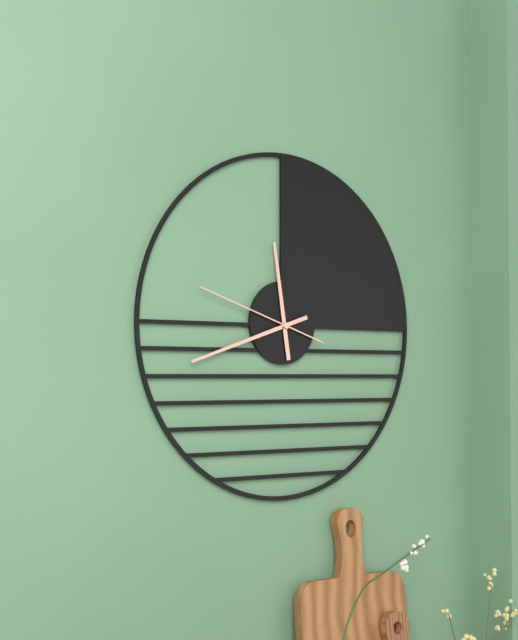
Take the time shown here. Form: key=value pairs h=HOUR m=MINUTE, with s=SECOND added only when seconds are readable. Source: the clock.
h=11 m=42 s=48
